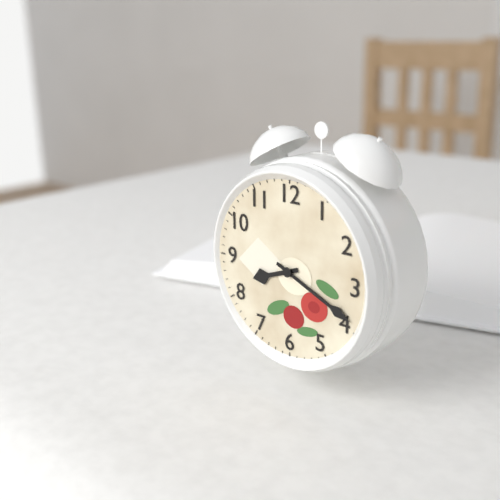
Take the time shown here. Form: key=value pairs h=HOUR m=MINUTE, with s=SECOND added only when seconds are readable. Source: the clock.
h=8 m=19
